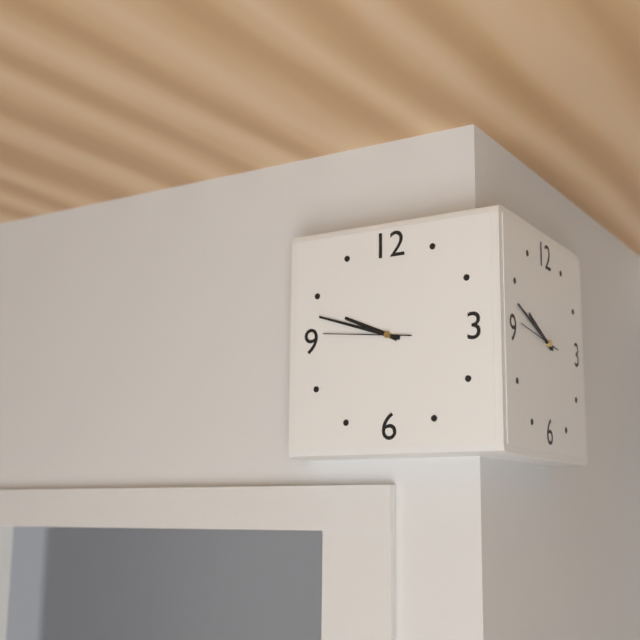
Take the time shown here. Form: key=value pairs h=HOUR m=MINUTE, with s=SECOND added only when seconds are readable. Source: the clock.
h=9 m=48 s=46
